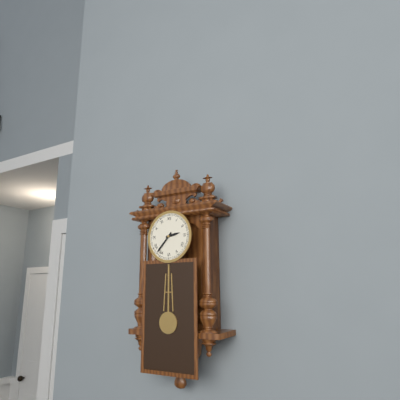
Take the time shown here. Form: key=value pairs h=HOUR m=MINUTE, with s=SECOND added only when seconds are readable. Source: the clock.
h=2 m=37
